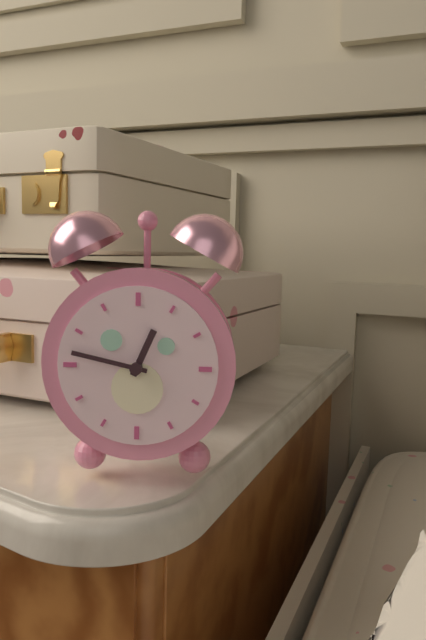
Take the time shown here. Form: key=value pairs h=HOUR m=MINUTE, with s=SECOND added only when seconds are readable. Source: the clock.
h=12 m=47
